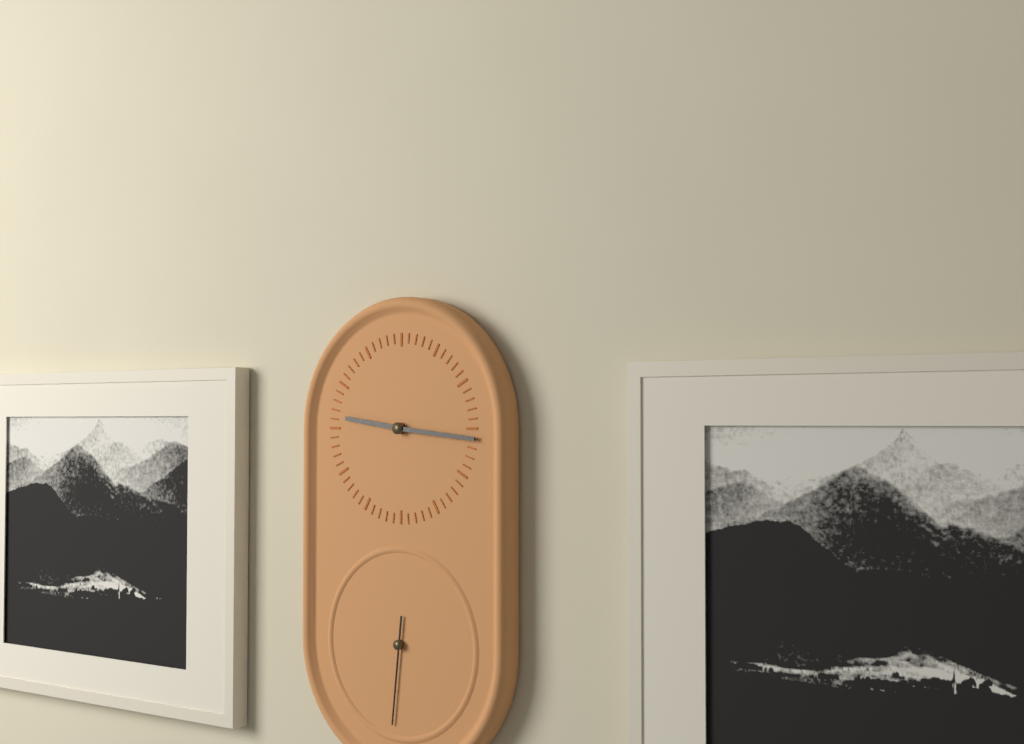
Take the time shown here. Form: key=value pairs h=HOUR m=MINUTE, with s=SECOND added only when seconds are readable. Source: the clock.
h=9 m=16 s=31
